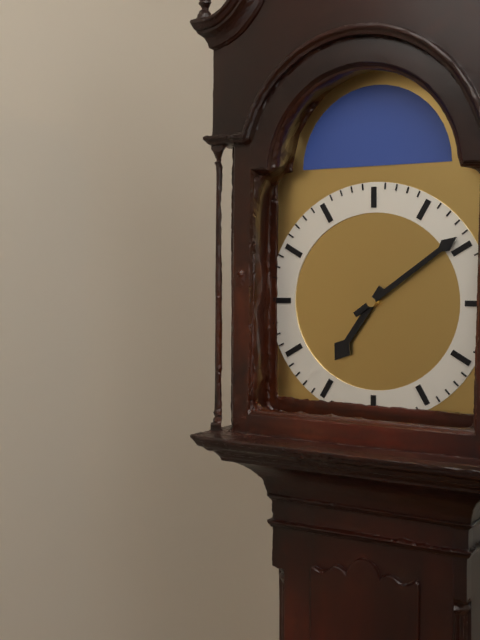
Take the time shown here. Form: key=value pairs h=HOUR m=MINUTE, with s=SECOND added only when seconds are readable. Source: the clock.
h=7 m=9
